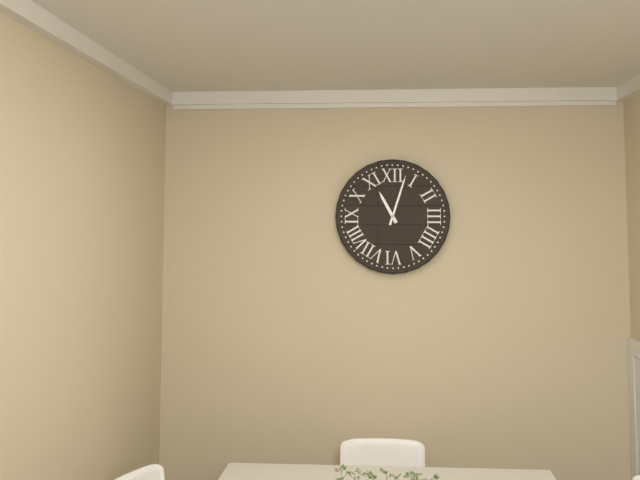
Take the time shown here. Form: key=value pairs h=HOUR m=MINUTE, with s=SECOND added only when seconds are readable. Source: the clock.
h=11 m=3
